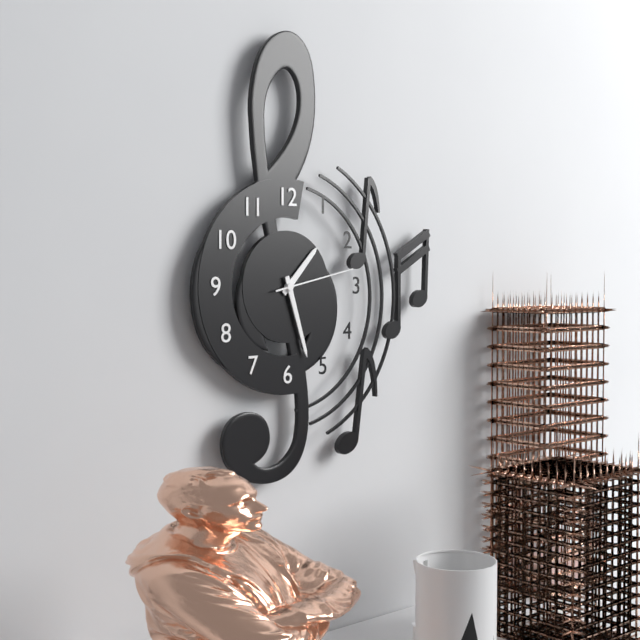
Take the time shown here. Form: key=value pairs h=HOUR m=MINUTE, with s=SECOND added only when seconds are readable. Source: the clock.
h=1 m=27 s=13
